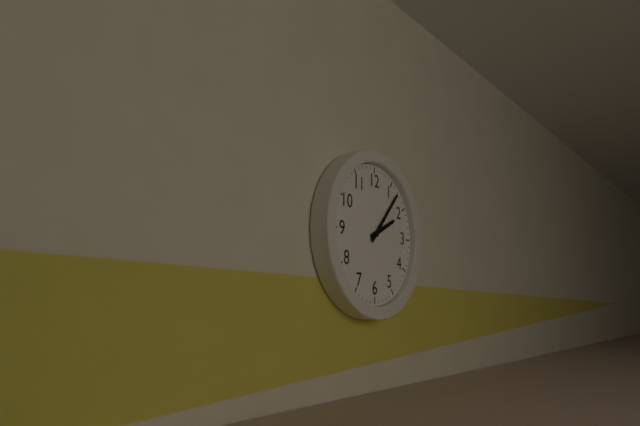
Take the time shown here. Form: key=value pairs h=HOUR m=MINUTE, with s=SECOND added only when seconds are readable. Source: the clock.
h=2 m=7
